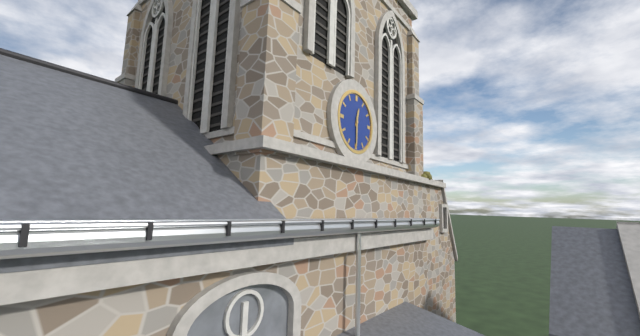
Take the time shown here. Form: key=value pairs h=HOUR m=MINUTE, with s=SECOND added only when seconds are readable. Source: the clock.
h=12 m=30
